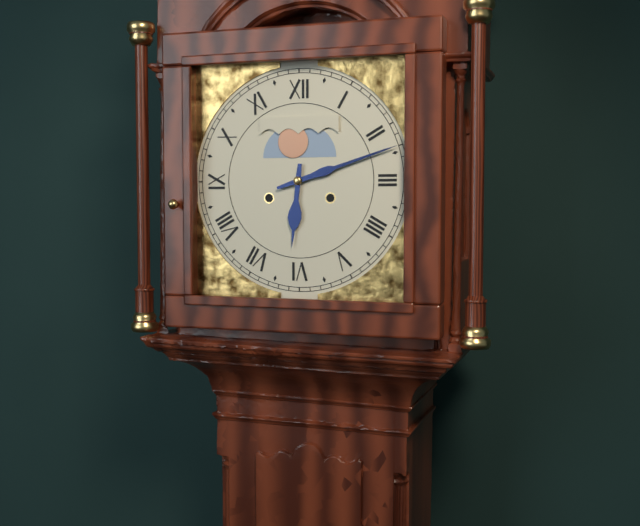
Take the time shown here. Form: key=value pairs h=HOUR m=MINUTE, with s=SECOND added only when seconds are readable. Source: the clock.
h=6 m=12
